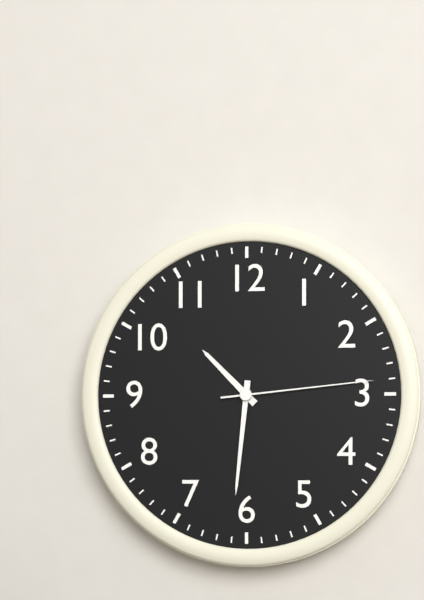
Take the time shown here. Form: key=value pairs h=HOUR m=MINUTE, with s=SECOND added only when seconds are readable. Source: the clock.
h=10 m=31 s=14
